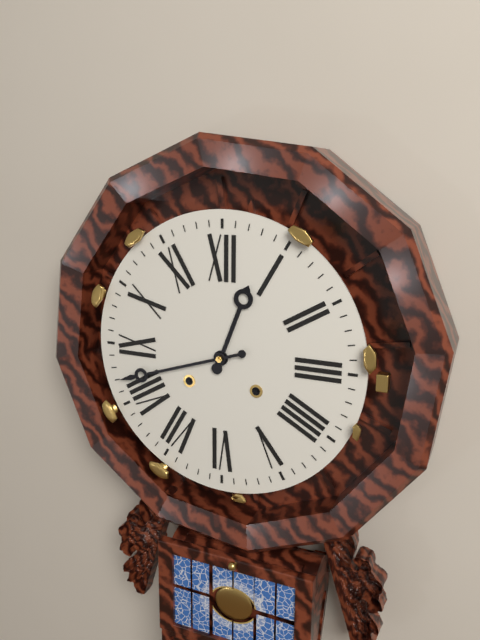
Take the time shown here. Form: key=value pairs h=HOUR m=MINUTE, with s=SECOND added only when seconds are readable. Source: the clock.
h=12 m=42
